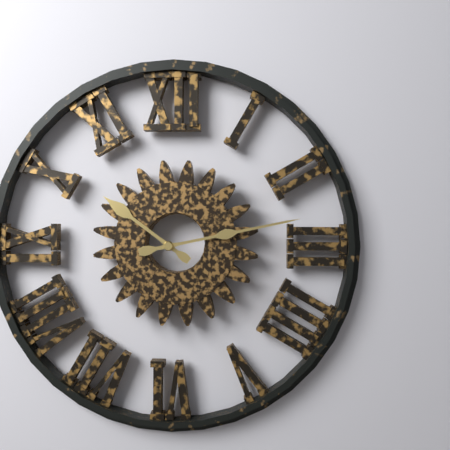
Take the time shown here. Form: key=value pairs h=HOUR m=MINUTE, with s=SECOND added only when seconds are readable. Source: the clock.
h=10 m=13
